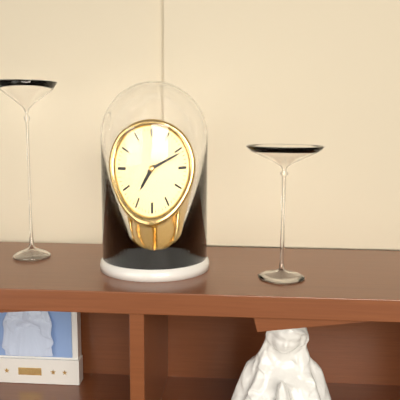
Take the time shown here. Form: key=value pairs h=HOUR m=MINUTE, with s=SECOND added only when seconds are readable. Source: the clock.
h=7 m=11
